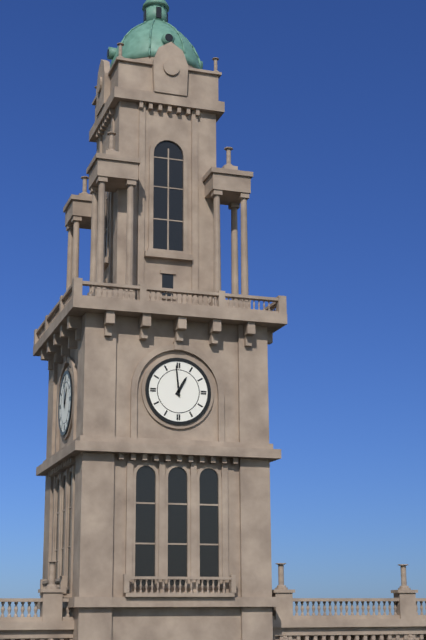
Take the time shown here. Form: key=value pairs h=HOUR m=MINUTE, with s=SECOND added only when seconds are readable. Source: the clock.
h=12 m=59
